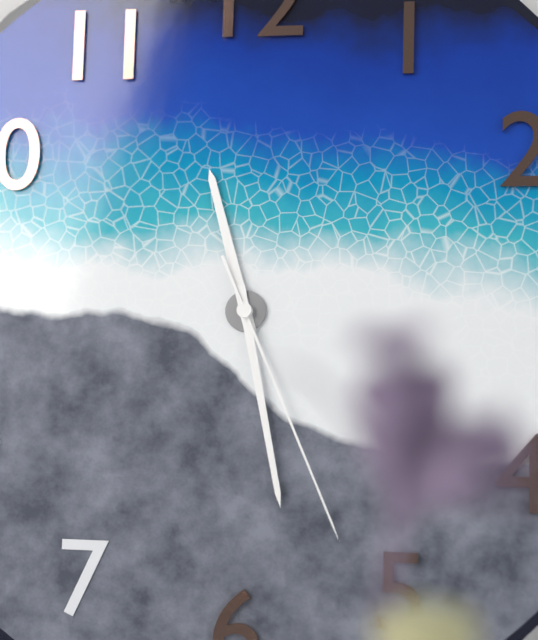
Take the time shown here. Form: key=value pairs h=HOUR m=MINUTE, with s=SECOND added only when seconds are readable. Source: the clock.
h=11 m=28 s=26
